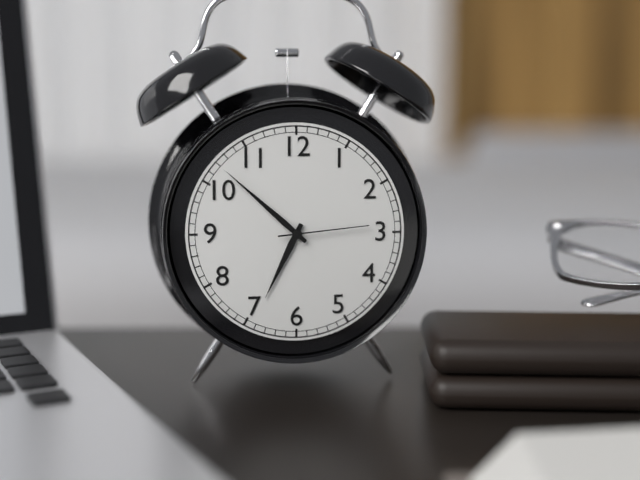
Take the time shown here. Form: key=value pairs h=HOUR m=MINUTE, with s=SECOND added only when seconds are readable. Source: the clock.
h=6 m=52 s=14
